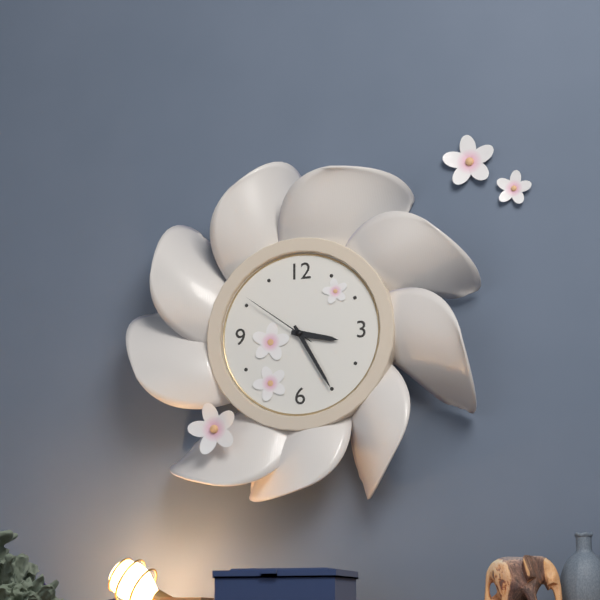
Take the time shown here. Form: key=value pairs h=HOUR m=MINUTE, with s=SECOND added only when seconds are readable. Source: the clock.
h=3 m=25 s=51
